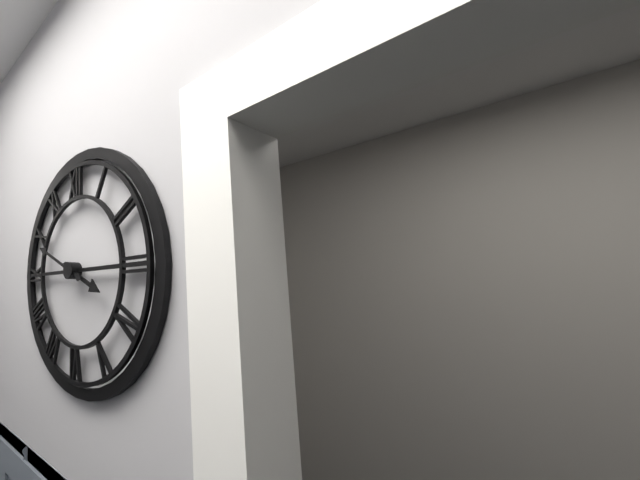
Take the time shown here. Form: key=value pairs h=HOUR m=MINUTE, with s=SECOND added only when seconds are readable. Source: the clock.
h=3 m=49
